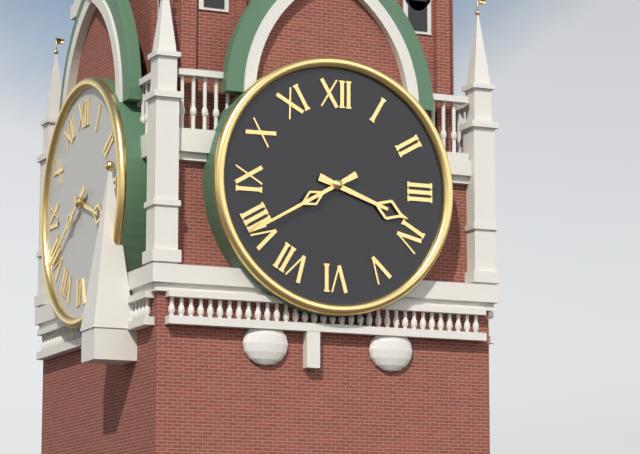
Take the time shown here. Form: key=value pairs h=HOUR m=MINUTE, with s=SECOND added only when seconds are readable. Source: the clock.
h=3 m=40
